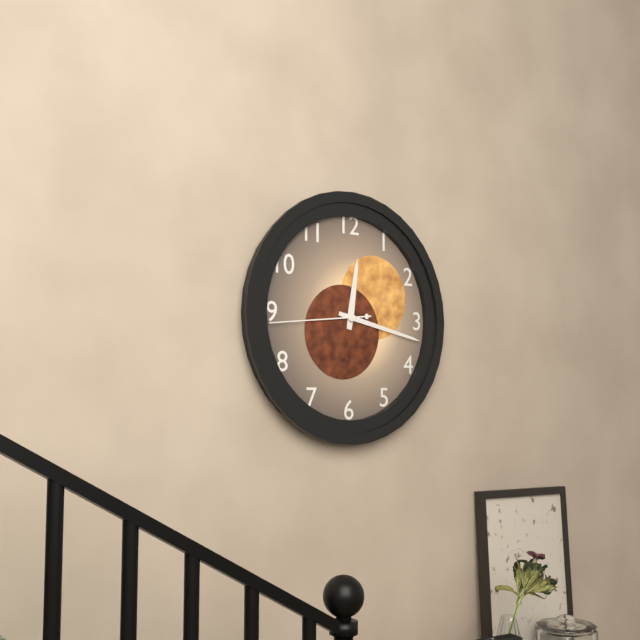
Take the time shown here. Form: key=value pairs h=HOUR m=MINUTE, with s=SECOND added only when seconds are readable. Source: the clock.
h=12 m=17 s=44
